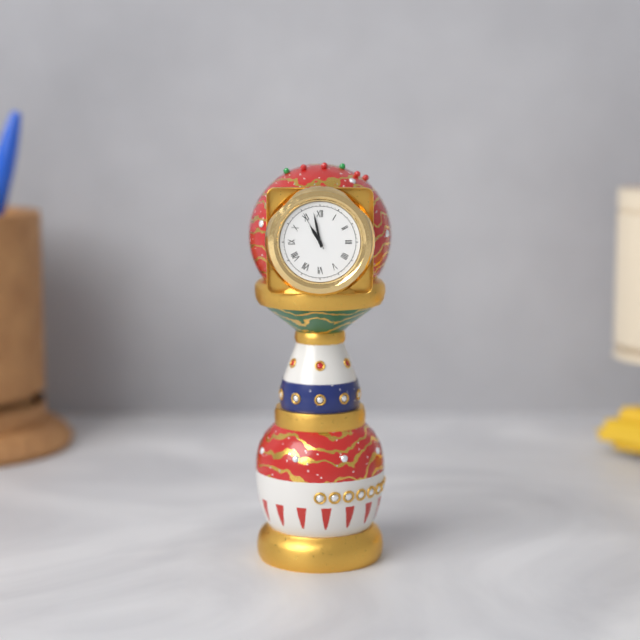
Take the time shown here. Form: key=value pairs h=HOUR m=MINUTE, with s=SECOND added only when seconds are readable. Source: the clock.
h=10 m=58
